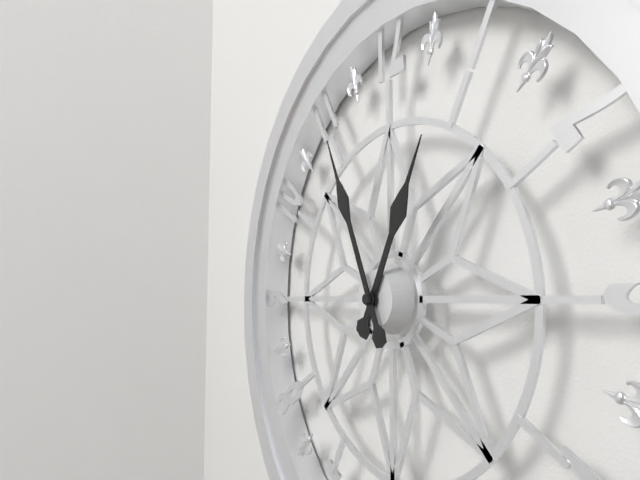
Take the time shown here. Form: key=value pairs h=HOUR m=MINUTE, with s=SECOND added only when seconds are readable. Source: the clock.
h=12 m=56
